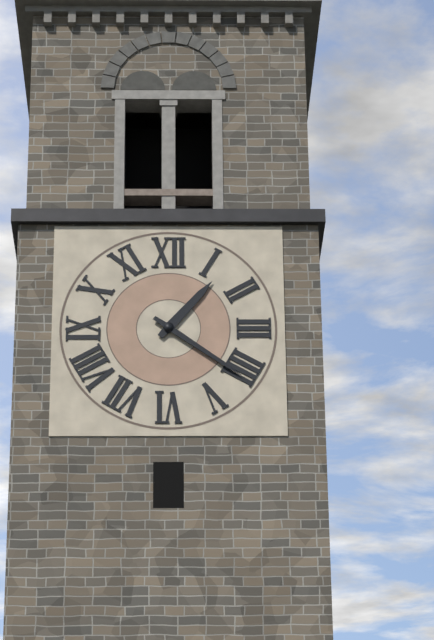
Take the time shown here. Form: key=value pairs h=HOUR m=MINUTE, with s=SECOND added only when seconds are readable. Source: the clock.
h=1 m=21
